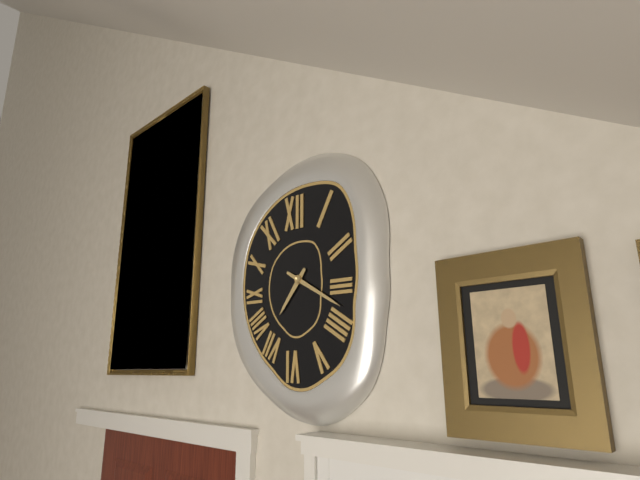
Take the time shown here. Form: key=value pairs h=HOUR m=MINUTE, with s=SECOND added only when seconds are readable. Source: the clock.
h=7 m=20
